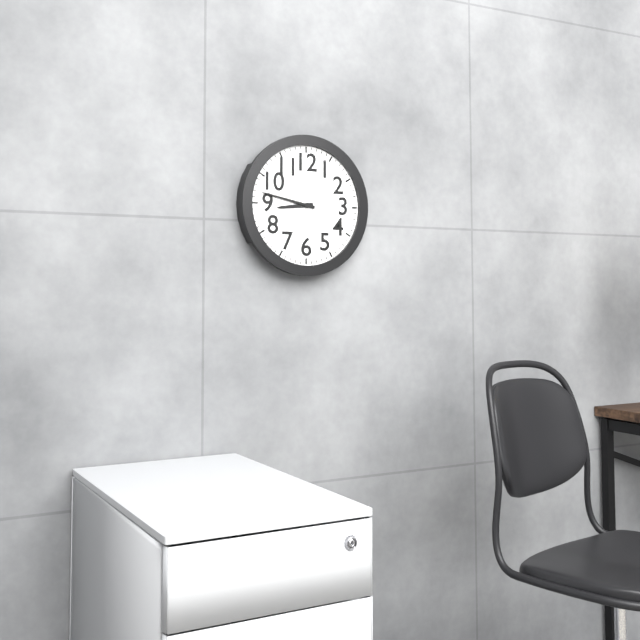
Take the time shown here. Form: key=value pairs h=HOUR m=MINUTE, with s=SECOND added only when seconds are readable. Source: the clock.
h=8 m=47
